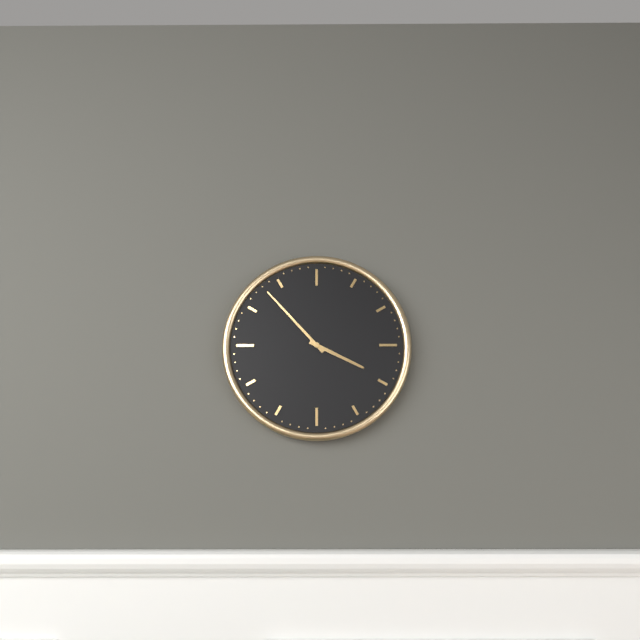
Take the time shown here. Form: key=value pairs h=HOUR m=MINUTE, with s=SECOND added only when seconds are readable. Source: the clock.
h=3 m=53
